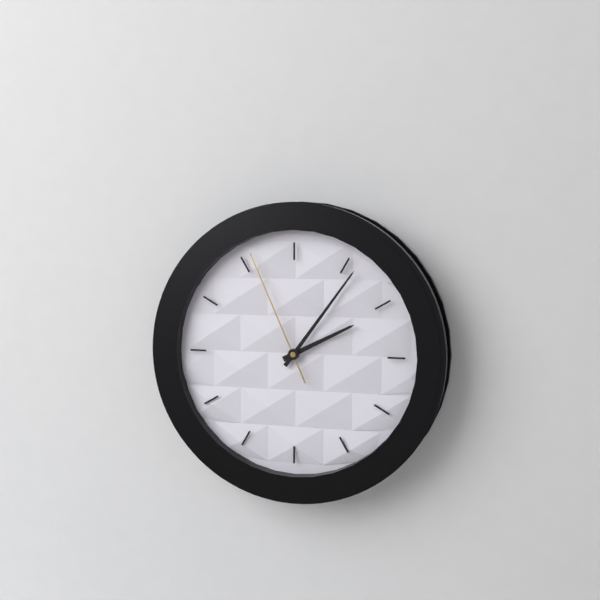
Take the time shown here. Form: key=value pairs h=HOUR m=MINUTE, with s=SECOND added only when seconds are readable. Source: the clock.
h=2 m=6 s=56
